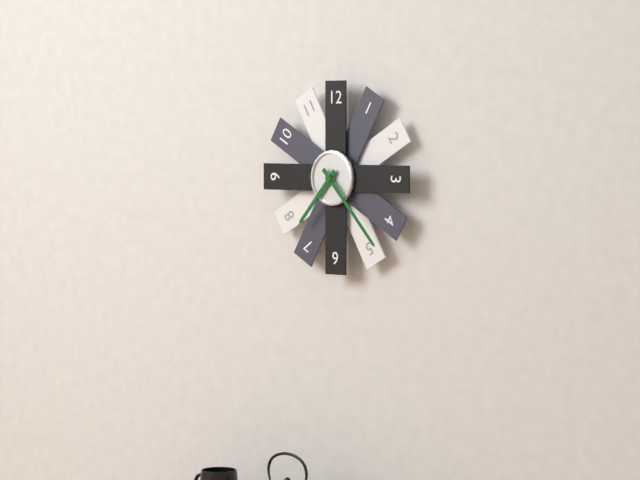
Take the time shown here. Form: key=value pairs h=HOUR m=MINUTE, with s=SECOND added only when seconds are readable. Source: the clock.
h=7 m=23
